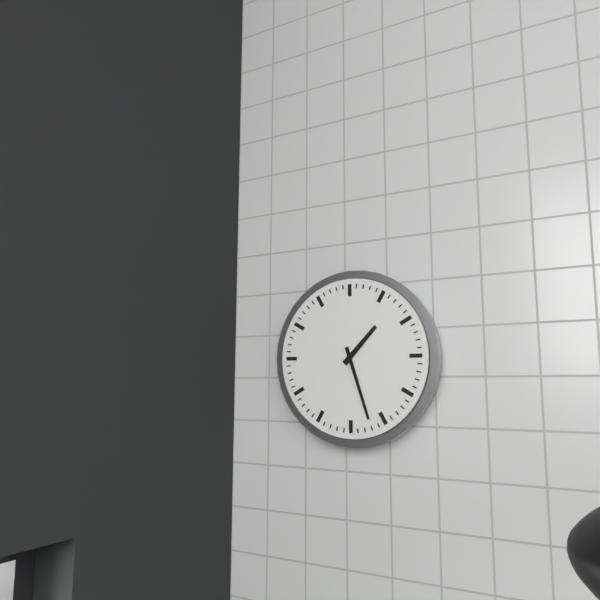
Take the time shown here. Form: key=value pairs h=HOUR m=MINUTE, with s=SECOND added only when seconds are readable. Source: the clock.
h=1 m=27
